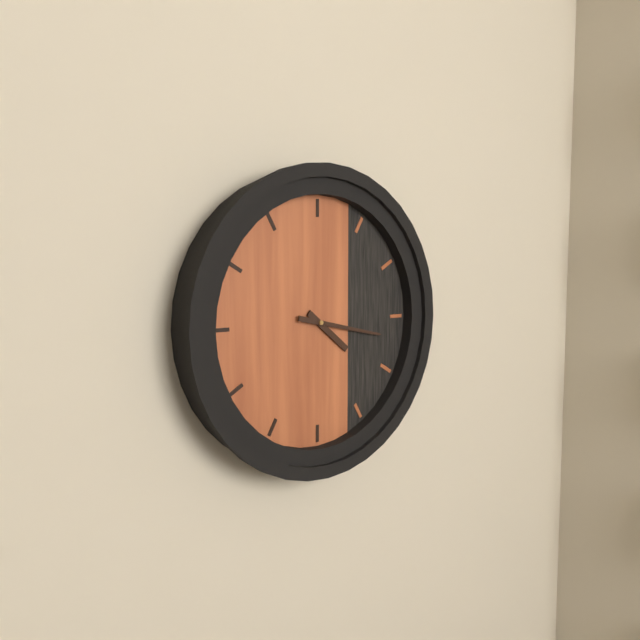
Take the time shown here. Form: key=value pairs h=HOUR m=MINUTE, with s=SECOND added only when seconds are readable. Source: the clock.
h=4 m=17
